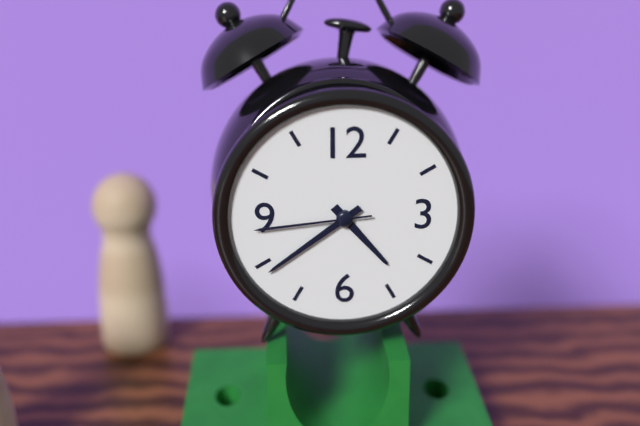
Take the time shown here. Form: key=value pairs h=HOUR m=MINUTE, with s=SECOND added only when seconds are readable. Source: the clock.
h=4 m=39 s=44
